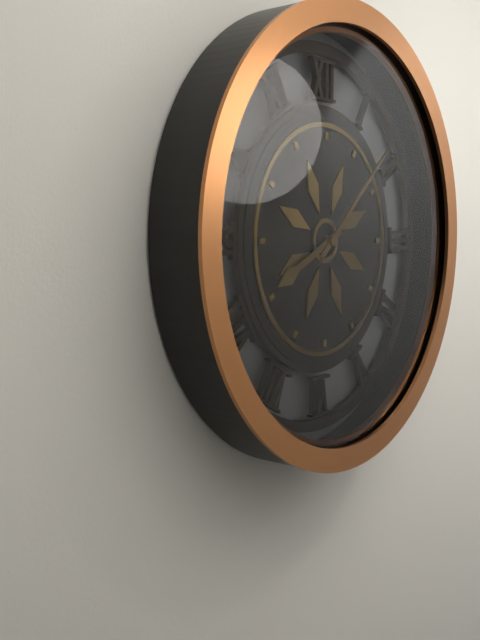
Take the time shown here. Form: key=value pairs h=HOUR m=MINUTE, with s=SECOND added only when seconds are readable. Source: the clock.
h=8 m=8
